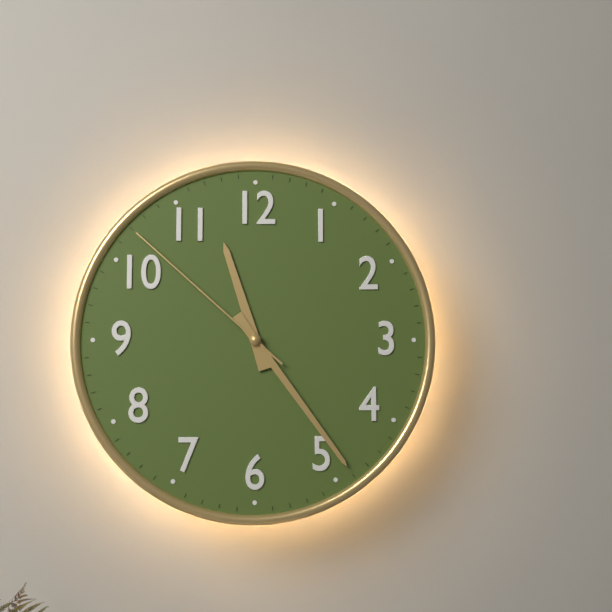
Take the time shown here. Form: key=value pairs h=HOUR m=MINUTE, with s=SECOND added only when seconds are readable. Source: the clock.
h=11 m=24 s=52
